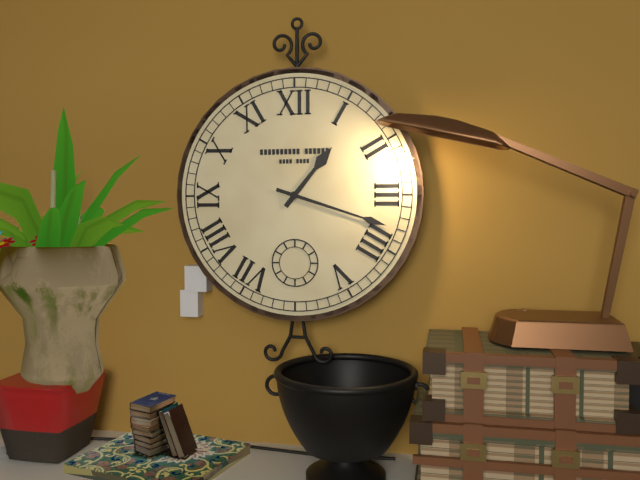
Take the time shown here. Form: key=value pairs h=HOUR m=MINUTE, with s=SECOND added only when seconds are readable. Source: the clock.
h=1 m=18
